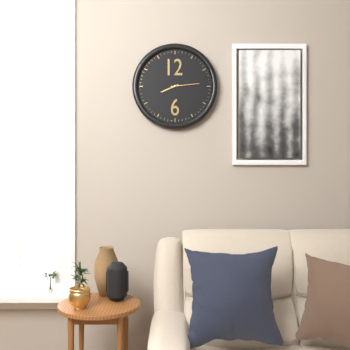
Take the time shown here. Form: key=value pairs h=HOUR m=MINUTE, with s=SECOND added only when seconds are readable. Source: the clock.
h=8 m=14
